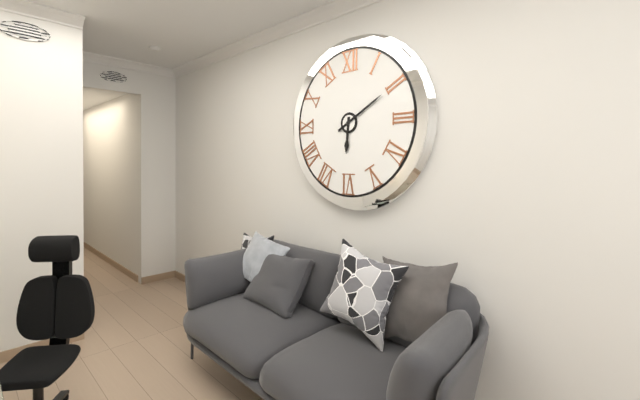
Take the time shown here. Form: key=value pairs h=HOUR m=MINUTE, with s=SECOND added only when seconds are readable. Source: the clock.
h=6 m=10
